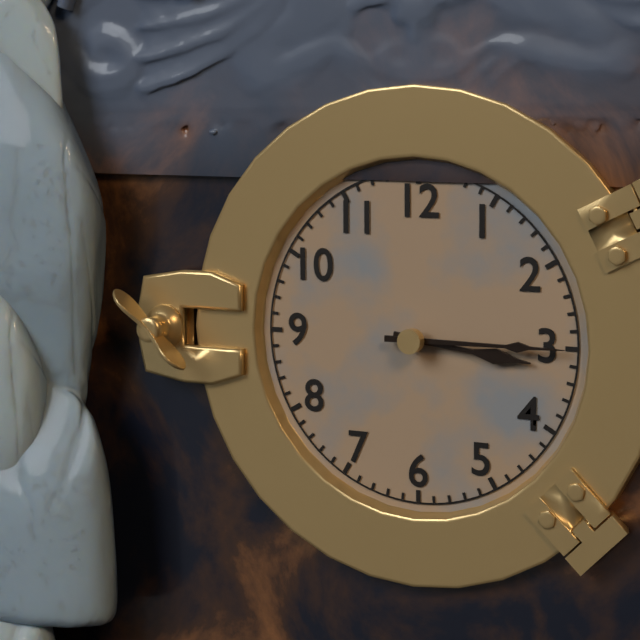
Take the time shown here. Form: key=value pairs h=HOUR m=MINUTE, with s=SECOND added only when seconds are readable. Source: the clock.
h=3 m=15
